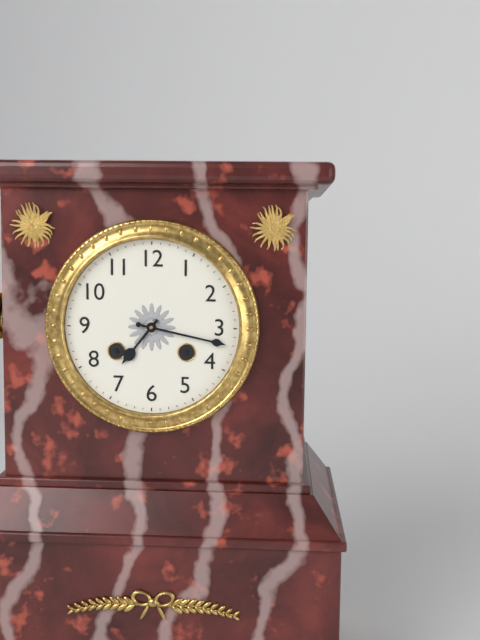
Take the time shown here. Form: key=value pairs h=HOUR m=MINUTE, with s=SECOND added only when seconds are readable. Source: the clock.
h=7 m=17
